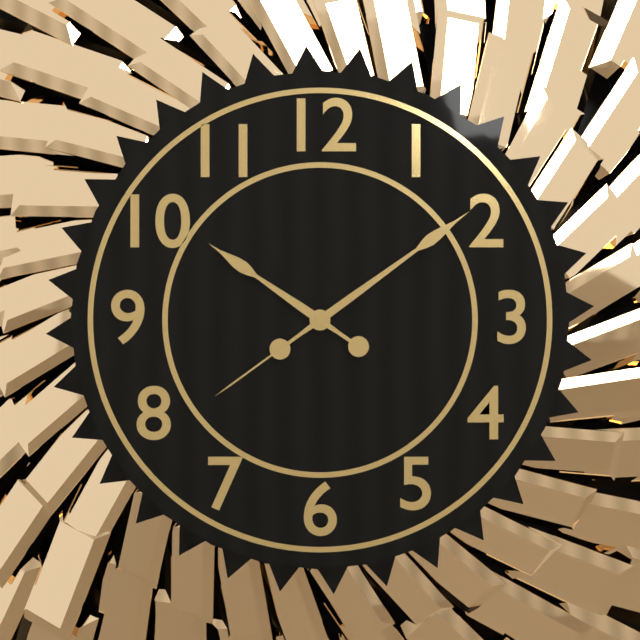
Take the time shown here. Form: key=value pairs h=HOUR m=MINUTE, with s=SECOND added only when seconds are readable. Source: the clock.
h=10 m=9 s=39
